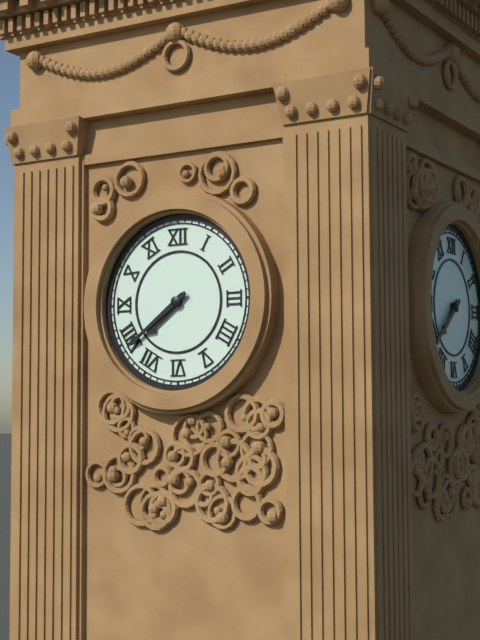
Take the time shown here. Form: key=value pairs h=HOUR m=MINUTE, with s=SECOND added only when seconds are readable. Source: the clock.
h=7 m=39
